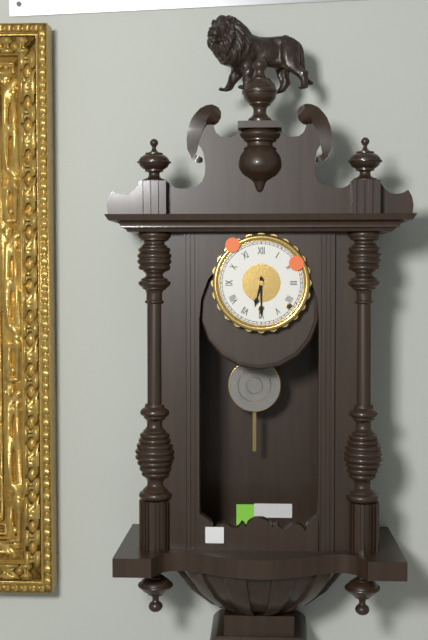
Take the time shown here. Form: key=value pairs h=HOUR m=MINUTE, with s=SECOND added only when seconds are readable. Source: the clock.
h=6 m=30
